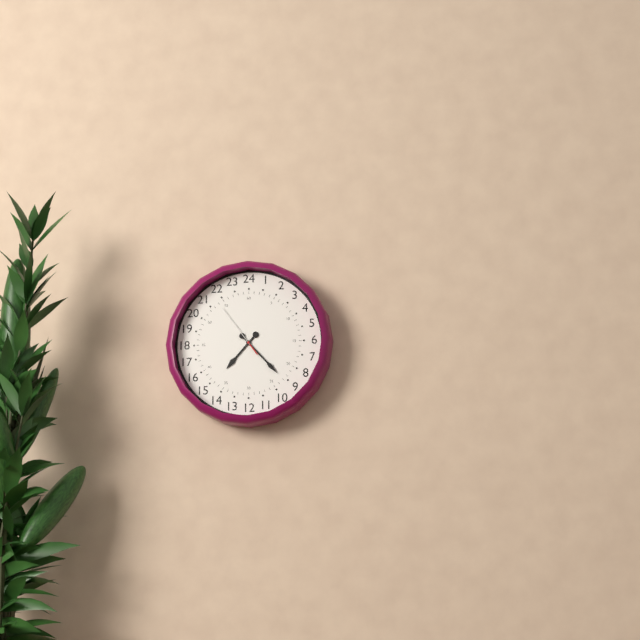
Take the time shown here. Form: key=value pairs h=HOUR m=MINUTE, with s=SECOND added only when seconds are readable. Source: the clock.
h=7 m=23 s=54
